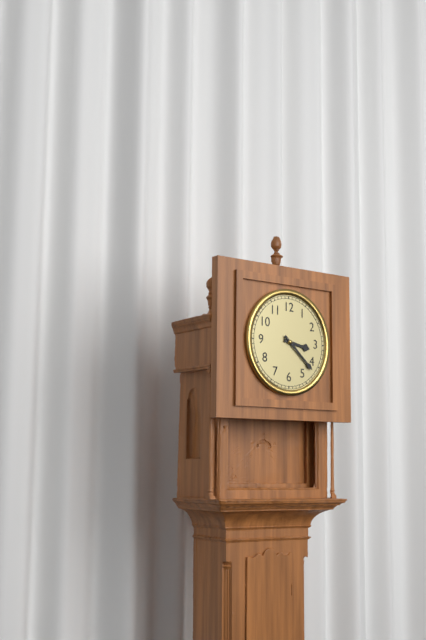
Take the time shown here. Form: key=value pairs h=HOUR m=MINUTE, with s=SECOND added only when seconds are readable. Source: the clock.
h=3 m=22
